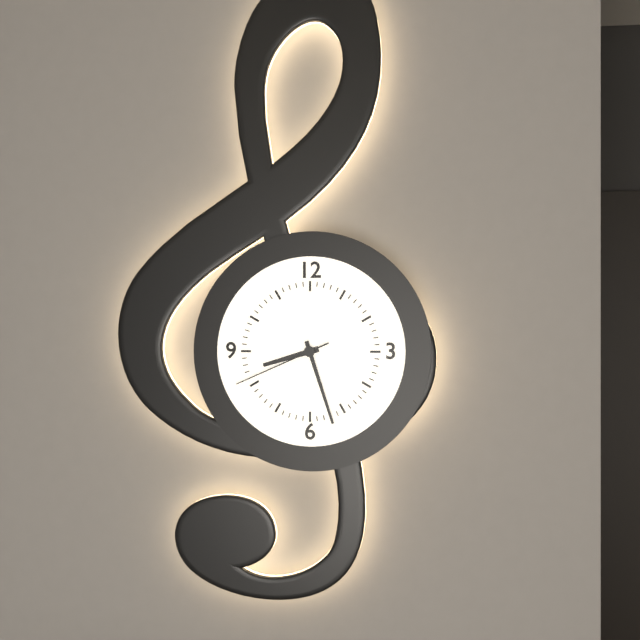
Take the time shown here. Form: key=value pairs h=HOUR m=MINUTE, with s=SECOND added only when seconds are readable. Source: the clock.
h=8 m=27 s=41
